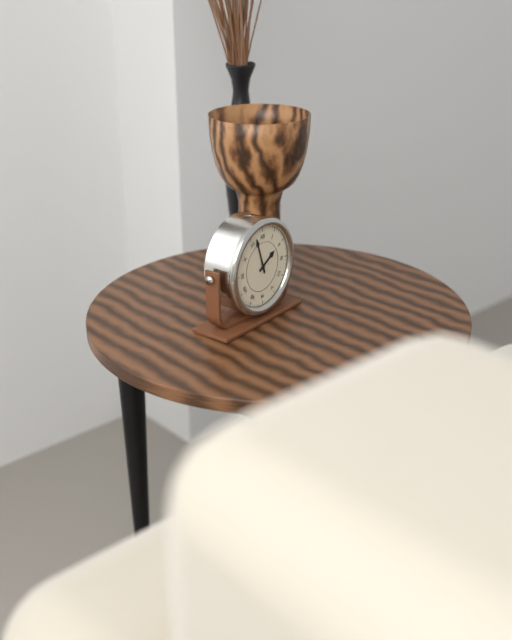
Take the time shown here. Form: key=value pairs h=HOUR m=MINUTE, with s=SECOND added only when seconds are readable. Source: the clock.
h=1 m=57
